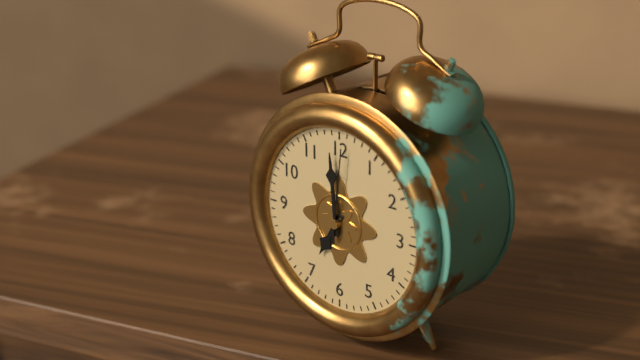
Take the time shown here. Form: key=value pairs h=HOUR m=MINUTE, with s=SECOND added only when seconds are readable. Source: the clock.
h=6 m=59 s=1
